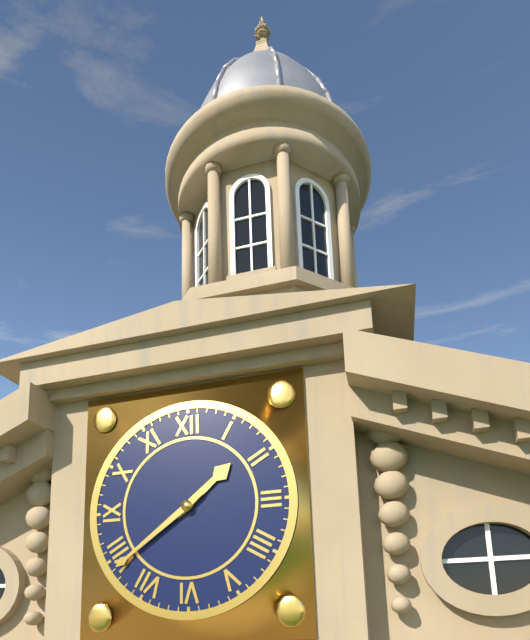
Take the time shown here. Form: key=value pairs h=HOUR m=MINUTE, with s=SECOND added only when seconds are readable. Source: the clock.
h=1 m=39
